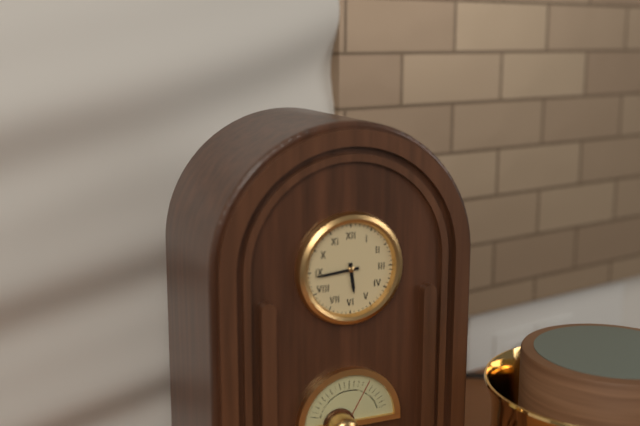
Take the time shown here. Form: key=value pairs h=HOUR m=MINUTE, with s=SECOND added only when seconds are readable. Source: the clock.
h=5 m=44
